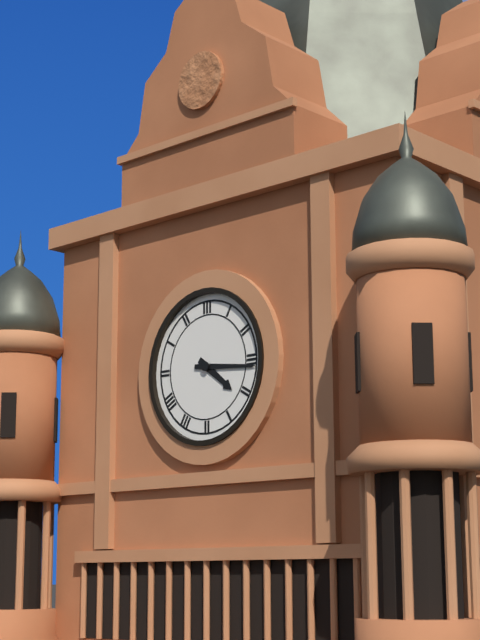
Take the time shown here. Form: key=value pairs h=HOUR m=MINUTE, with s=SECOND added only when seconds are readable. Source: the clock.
h=4 m=16
